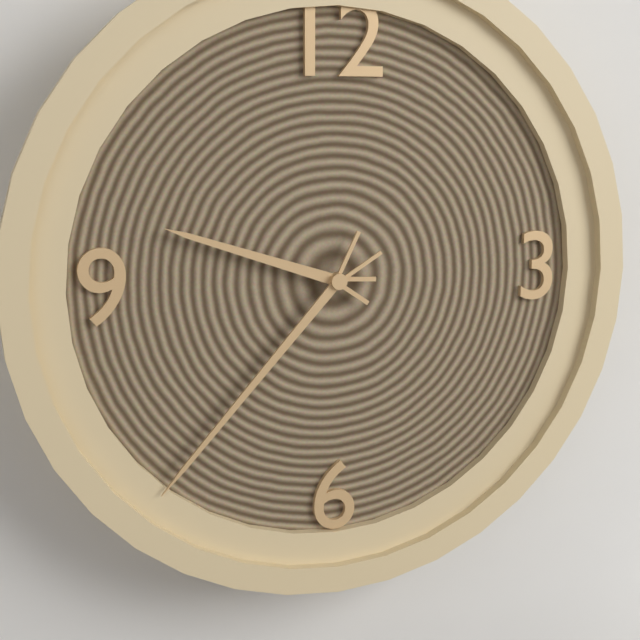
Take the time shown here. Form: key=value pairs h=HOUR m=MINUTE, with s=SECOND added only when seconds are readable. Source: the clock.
h=9 m=37
